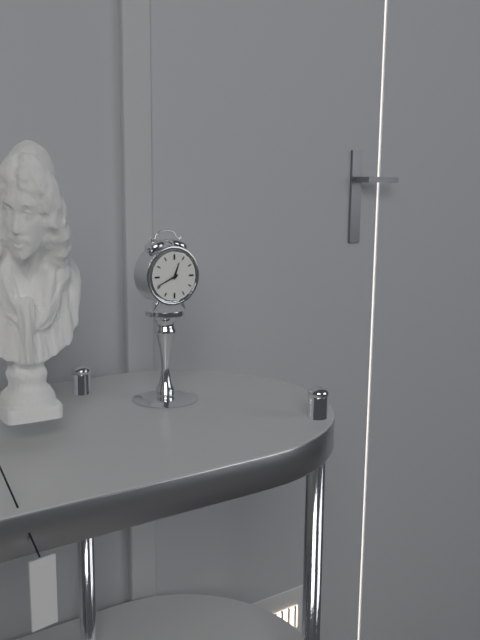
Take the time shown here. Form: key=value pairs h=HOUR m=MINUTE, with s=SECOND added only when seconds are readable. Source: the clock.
h=12 m=41
